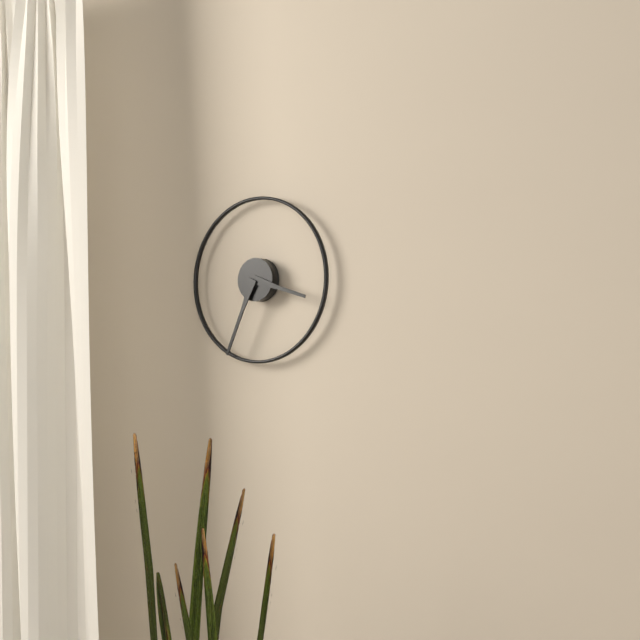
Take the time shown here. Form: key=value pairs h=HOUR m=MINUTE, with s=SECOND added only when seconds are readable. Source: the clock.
h=3 m=34
